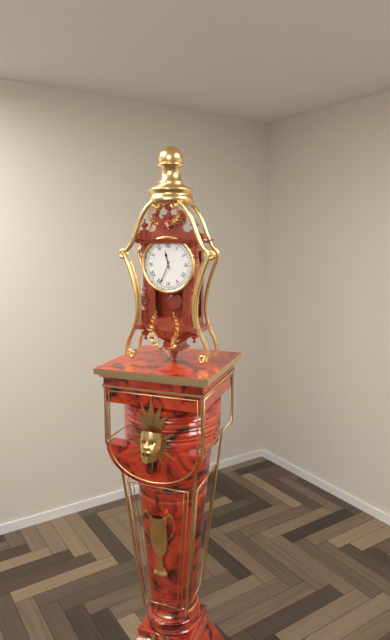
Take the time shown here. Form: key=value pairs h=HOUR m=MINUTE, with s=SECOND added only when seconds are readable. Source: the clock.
h=11 m=34
